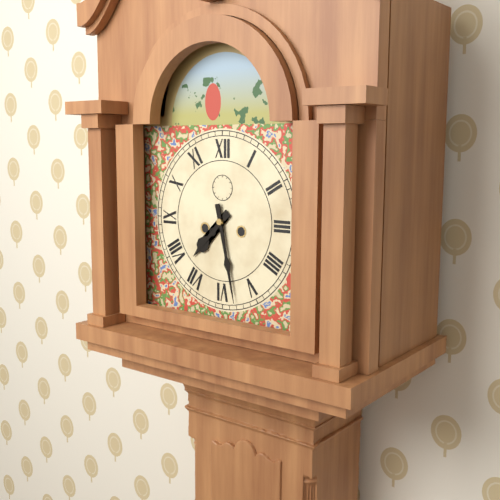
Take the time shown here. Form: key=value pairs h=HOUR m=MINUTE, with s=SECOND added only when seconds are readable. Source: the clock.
h=7 m=28
